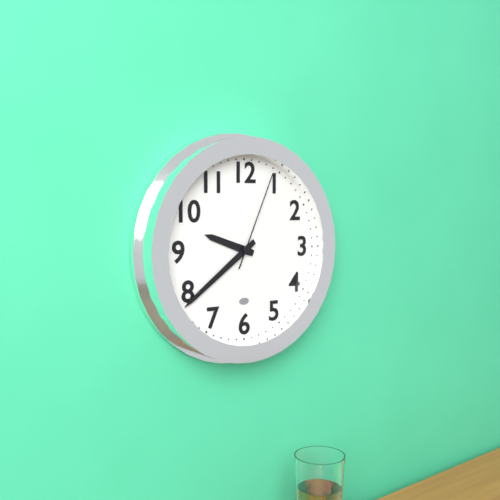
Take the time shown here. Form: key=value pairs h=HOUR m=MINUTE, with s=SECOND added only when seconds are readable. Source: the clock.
h=9 m=39 s=4
